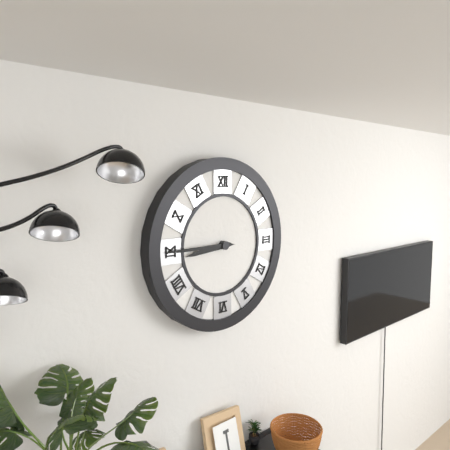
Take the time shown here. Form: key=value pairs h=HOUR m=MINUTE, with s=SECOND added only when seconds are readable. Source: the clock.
h=8 m=45
